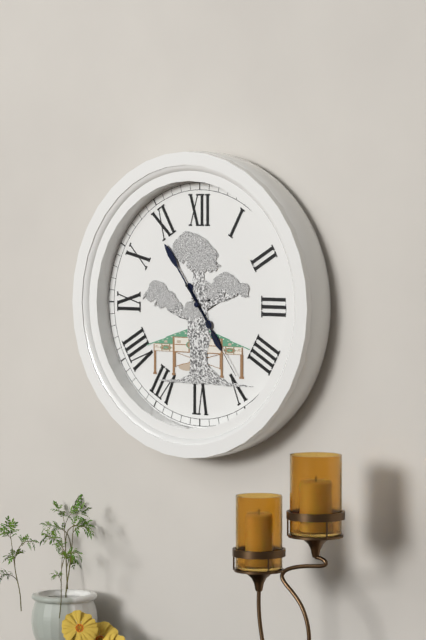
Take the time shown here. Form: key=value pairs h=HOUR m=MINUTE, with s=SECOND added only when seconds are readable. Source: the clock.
h=4 m=54 s=24
